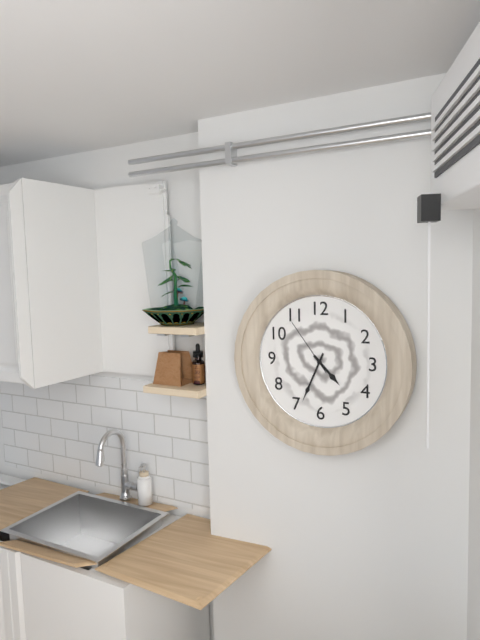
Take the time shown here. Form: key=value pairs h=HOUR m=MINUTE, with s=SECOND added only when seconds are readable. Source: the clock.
h=4 m=34 s=54
